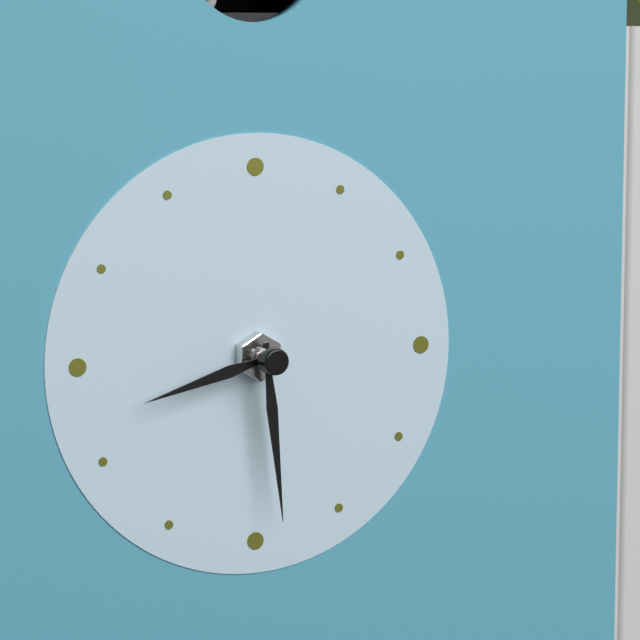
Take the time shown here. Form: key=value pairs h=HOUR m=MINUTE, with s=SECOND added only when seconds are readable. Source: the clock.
h=8 m=29
